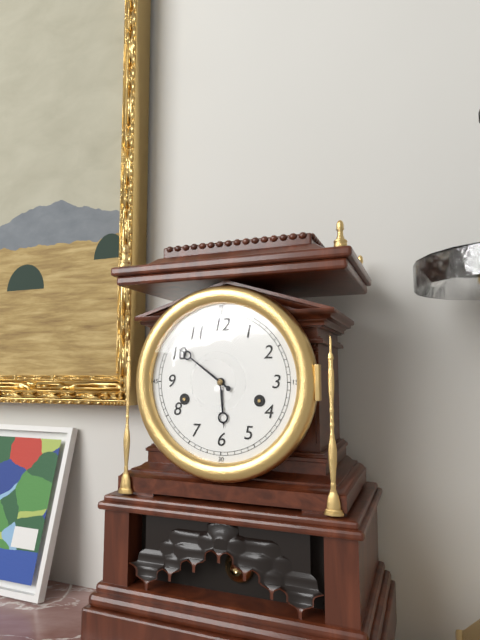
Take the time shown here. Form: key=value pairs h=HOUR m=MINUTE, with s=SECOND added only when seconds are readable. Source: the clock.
h=5 m=51
